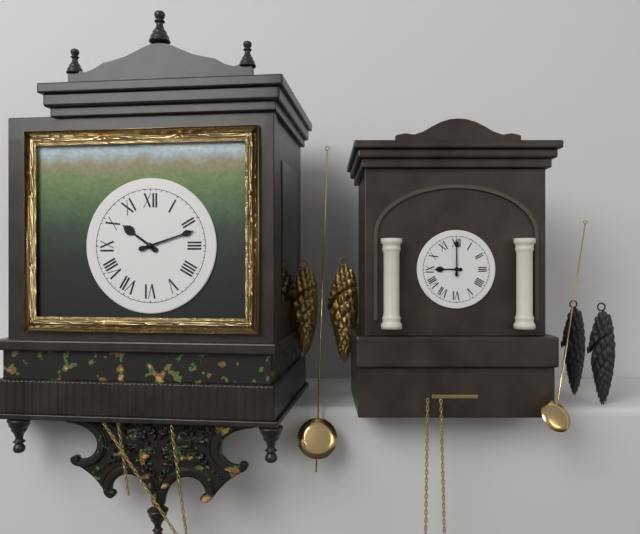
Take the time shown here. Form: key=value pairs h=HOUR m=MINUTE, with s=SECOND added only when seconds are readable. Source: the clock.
h=10 m=12
